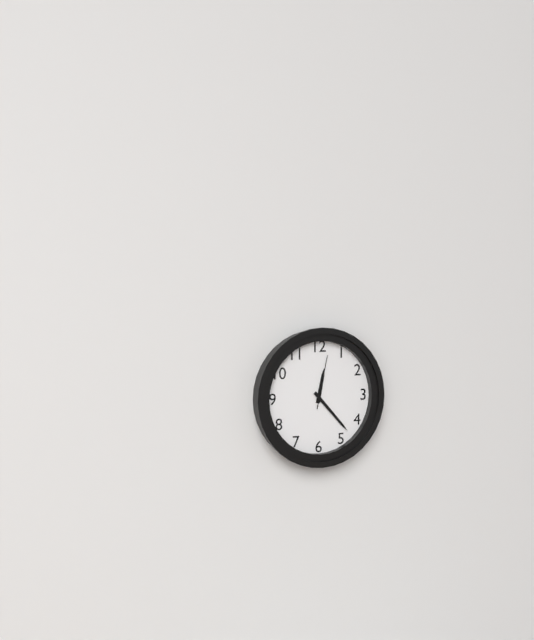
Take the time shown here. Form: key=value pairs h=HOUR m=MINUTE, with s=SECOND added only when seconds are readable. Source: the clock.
h=12 m=23 s=2
